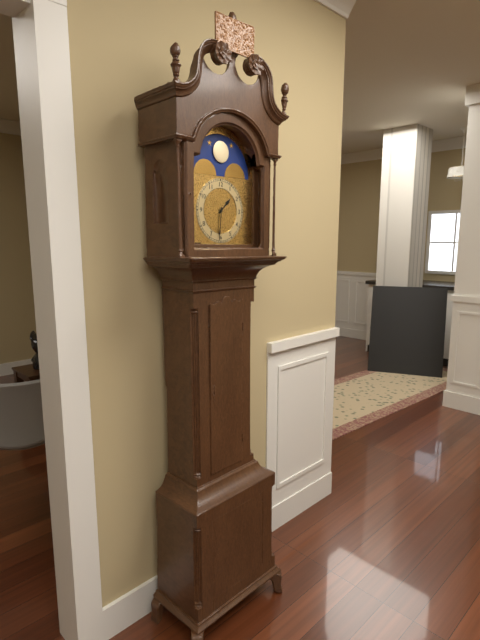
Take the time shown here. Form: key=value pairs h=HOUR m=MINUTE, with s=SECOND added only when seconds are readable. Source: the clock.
h=1 m=31
